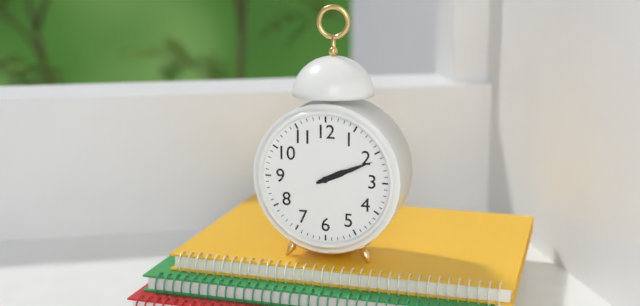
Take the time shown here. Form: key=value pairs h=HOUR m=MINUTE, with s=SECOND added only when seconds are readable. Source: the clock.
h=2 m=11
